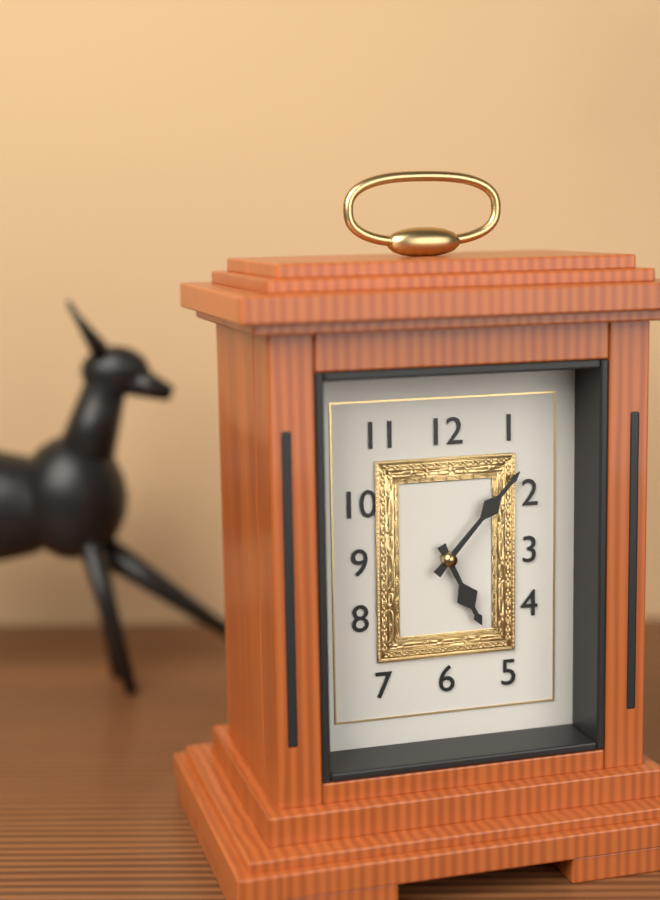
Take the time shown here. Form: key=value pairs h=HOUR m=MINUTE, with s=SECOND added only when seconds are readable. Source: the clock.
h=5 m=7
